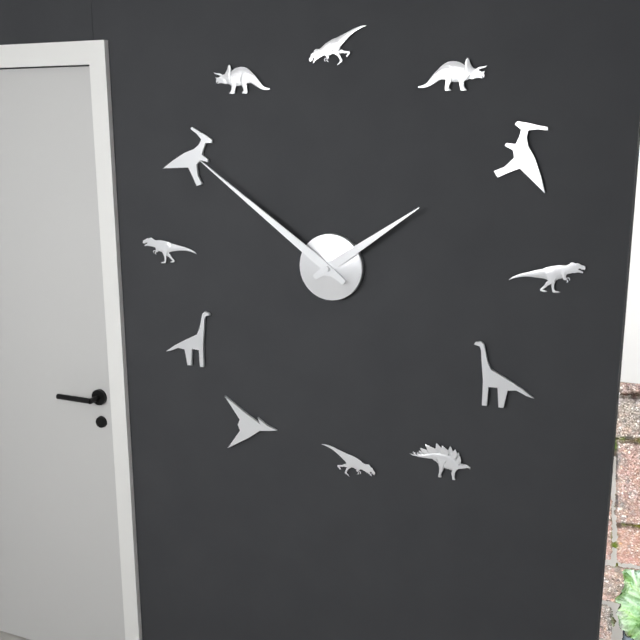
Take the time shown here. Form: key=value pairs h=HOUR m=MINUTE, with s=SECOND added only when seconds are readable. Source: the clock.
h=1 m=51
